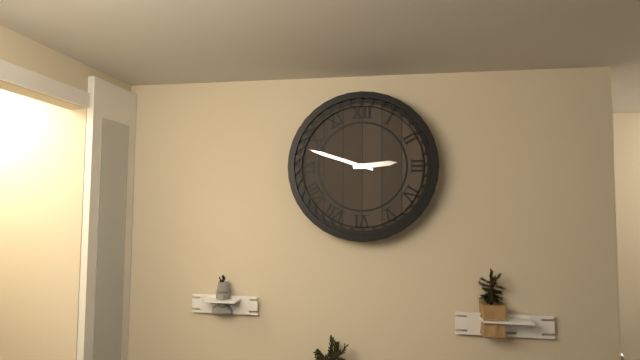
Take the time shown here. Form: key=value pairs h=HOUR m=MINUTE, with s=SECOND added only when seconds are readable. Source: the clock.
h=2 m=48
